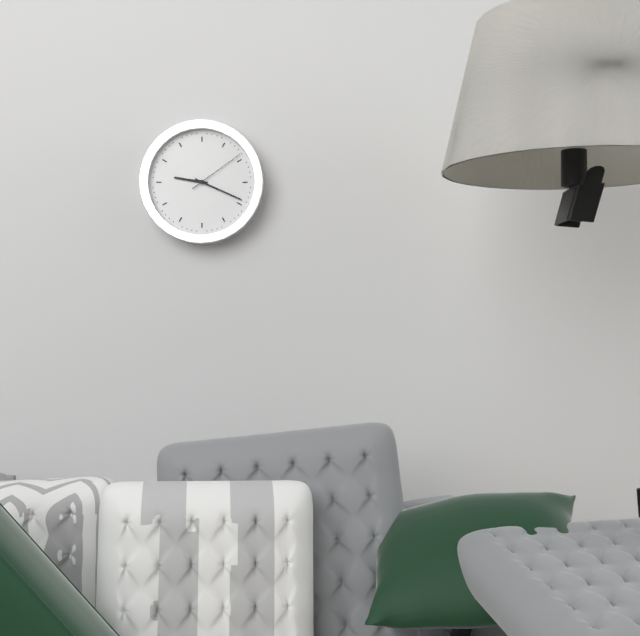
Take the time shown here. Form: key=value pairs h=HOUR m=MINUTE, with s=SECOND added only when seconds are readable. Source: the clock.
h=9 m=19 s=9
